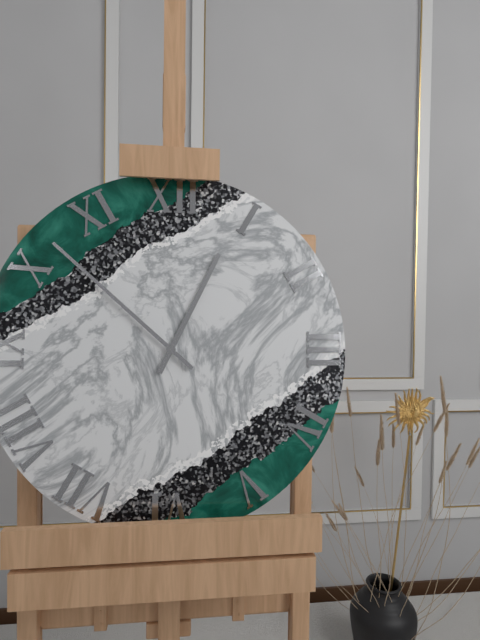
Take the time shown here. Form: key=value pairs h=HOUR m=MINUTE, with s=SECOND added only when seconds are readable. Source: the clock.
h=12 m=52
